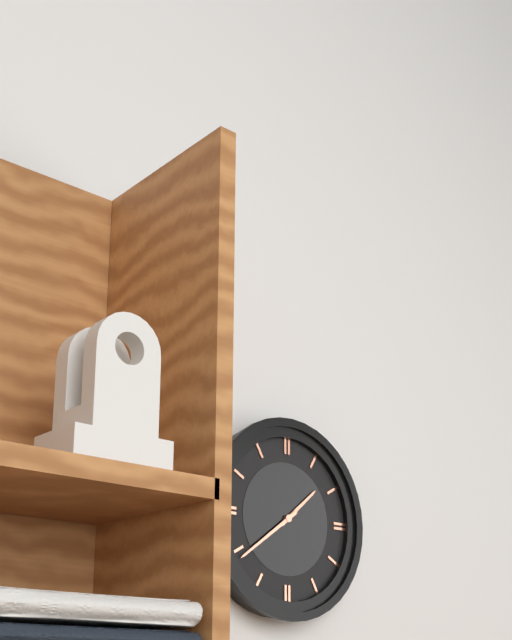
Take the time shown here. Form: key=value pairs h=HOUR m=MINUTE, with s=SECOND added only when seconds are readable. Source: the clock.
h=1 m=39
